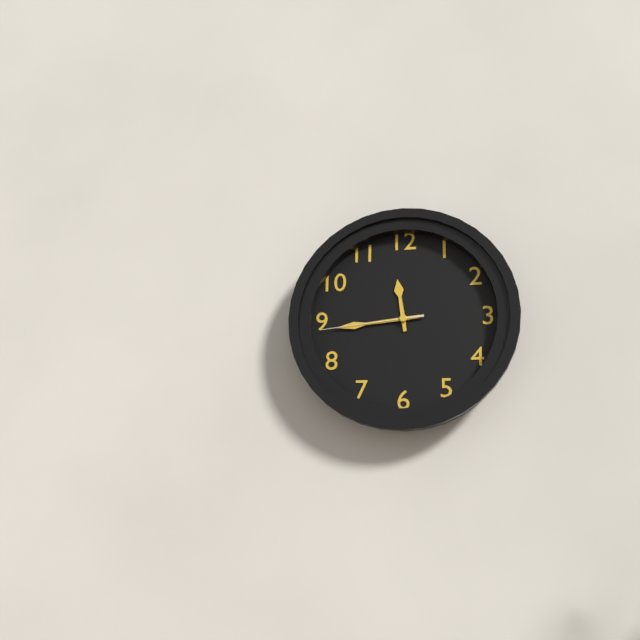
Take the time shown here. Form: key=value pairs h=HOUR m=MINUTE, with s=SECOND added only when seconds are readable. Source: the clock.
h=11 m=44 s=44
